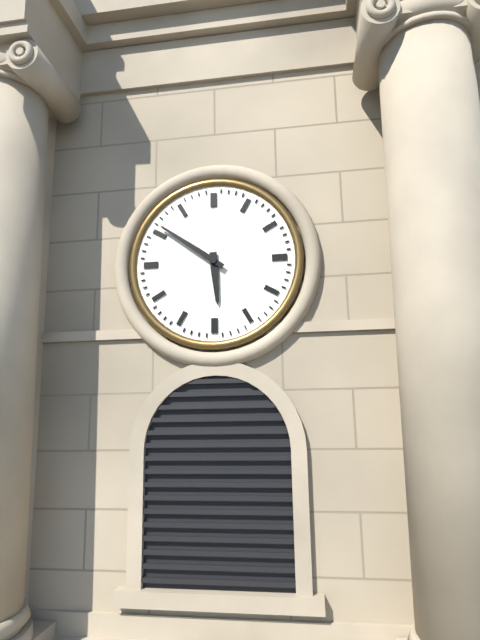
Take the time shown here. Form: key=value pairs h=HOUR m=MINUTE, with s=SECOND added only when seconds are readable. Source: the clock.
h=5 m=51
